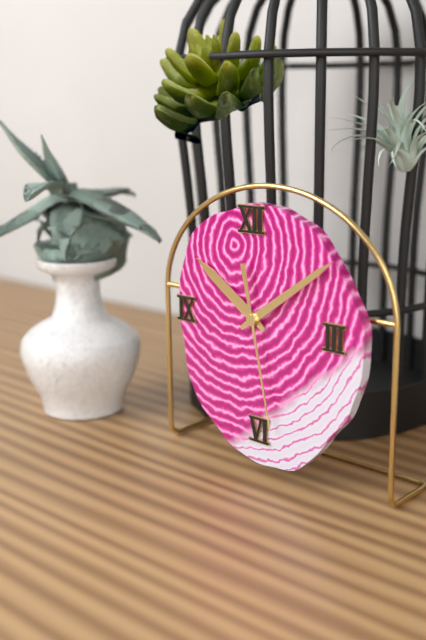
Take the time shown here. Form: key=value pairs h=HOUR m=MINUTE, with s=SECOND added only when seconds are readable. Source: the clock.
h=10 m=9 s=28
